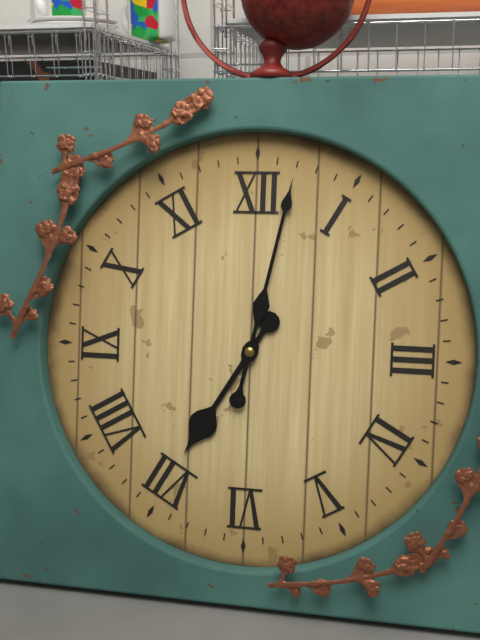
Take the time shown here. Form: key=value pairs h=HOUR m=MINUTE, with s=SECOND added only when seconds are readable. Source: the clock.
h=7 m=2
